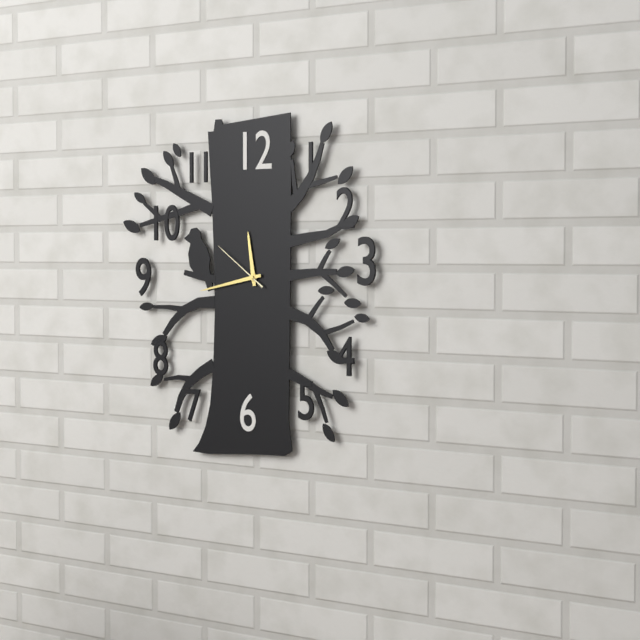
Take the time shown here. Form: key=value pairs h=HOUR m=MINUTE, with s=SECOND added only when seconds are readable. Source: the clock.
h=11 m=43 s=51
